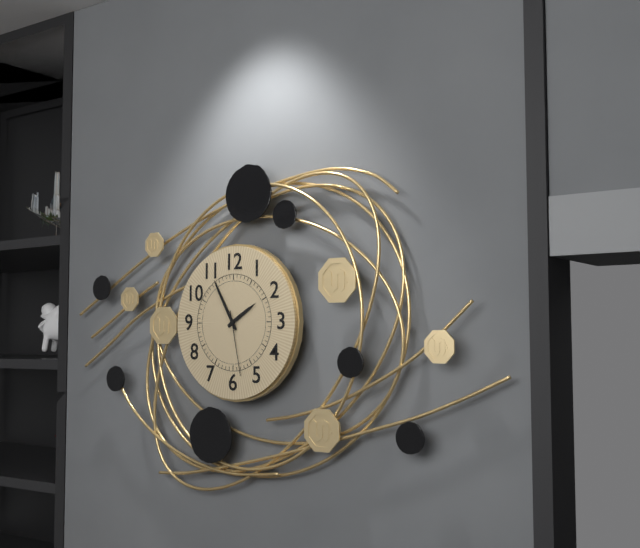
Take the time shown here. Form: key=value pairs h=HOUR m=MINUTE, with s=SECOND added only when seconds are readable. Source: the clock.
h=1 m=55 s=28
